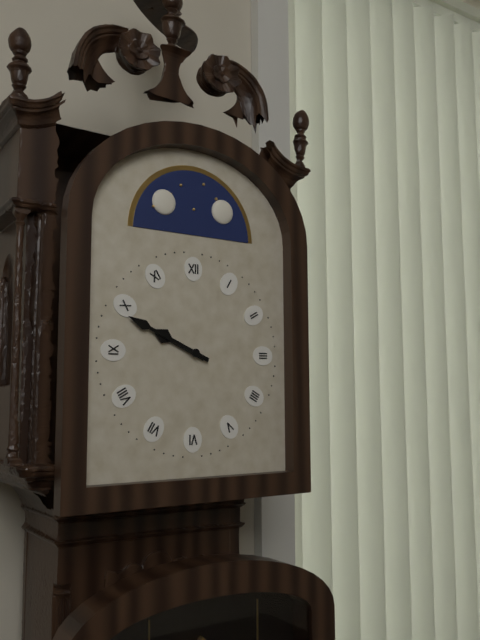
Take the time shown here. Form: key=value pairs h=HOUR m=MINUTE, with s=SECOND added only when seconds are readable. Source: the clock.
h=9 m=49
